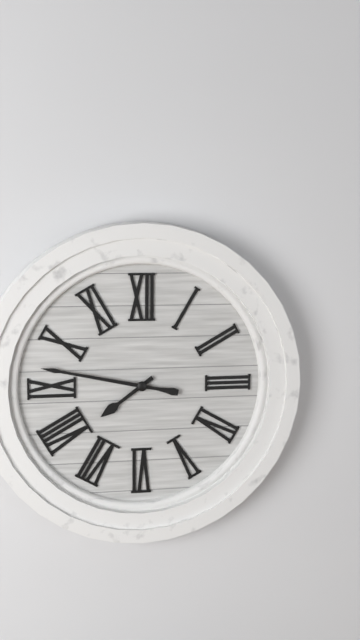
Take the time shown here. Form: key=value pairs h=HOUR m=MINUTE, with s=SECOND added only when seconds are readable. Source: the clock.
h=7 m=47
